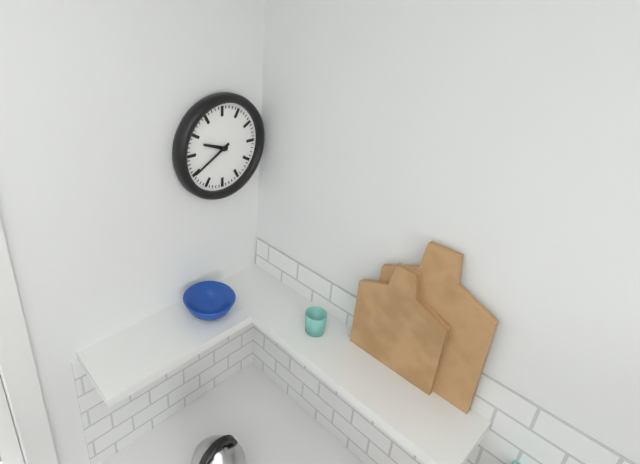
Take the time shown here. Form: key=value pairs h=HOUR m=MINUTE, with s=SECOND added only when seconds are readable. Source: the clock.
h=9 m=40
